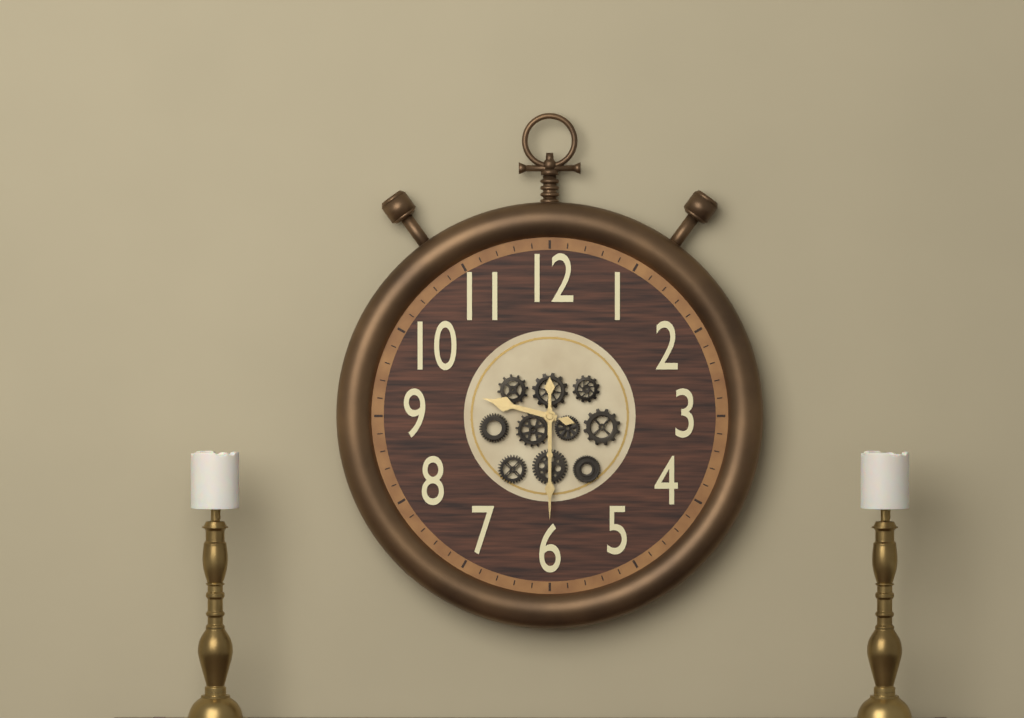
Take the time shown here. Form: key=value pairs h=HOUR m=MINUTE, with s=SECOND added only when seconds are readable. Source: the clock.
h=9 m=30
